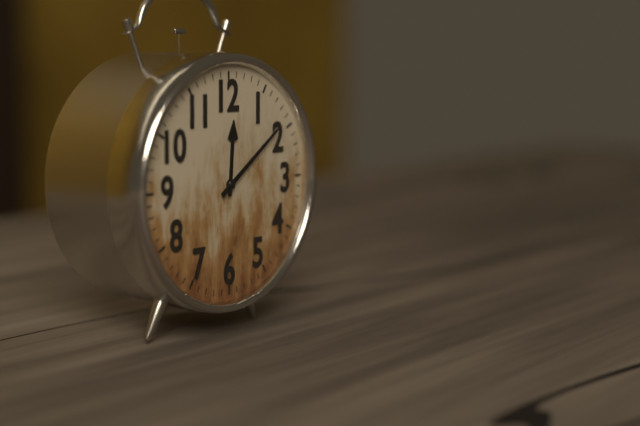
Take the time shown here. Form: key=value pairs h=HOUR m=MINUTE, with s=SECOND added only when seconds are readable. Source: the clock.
h=12 m=9
